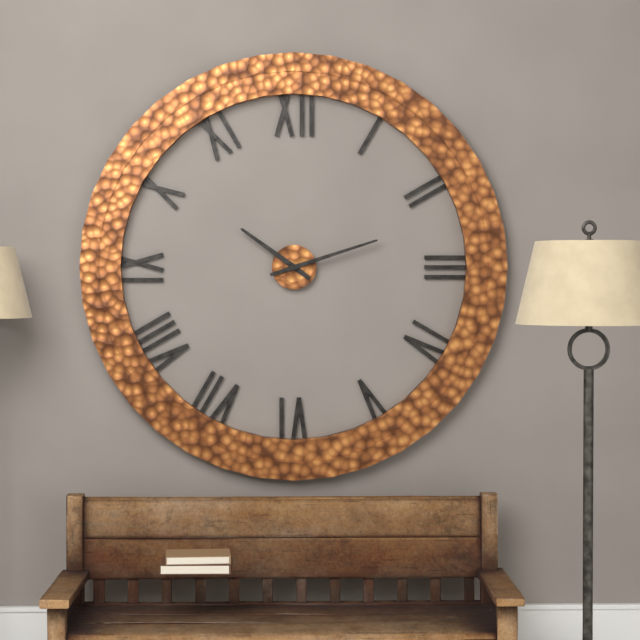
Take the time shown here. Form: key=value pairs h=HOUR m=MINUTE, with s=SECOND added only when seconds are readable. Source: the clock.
h=10 m=12
